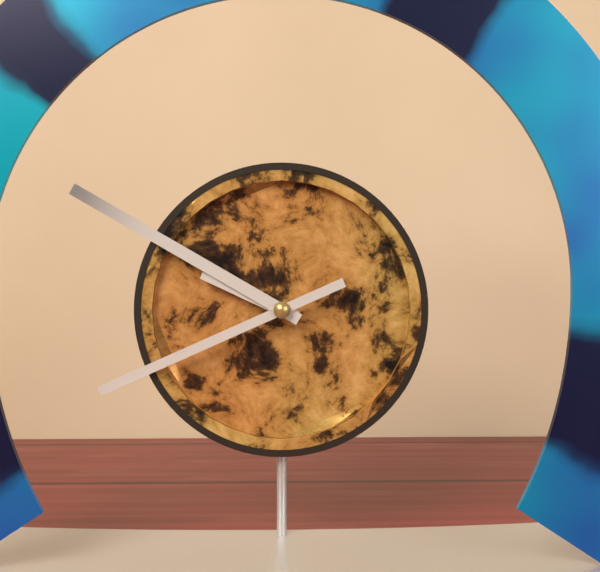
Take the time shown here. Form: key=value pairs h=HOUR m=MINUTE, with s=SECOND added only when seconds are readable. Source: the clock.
h=9 m=50 s=41
